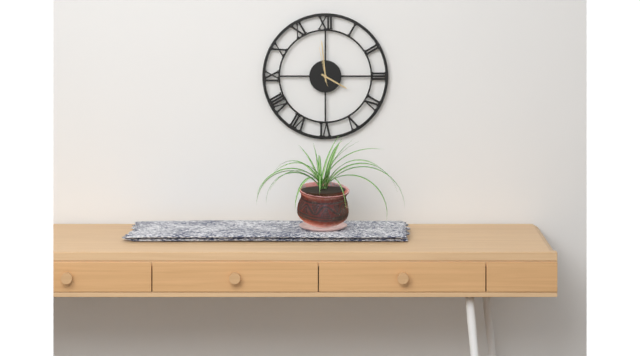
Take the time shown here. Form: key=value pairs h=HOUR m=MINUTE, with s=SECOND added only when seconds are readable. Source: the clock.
h=3 m=59
